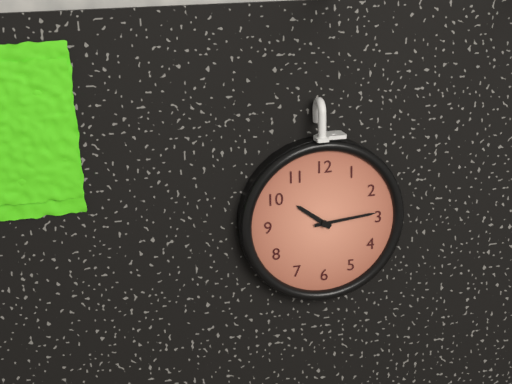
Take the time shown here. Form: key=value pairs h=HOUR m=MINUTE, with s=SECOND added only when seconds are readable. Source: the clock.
h=10 m=14
